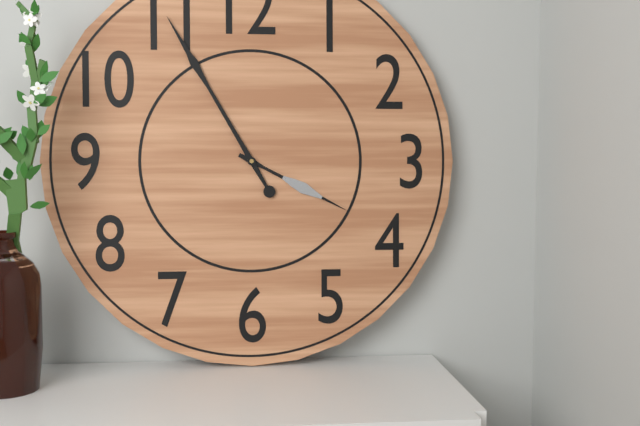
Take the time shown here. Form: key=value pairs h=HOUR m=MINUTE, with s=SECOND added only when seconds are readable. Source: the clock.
h=3 m=55
